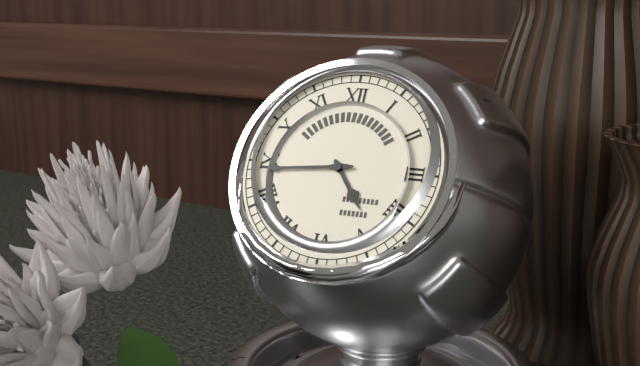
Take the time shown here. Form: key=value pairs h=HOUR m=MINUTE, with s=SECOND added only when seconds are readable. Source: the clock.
h=4 m=44
